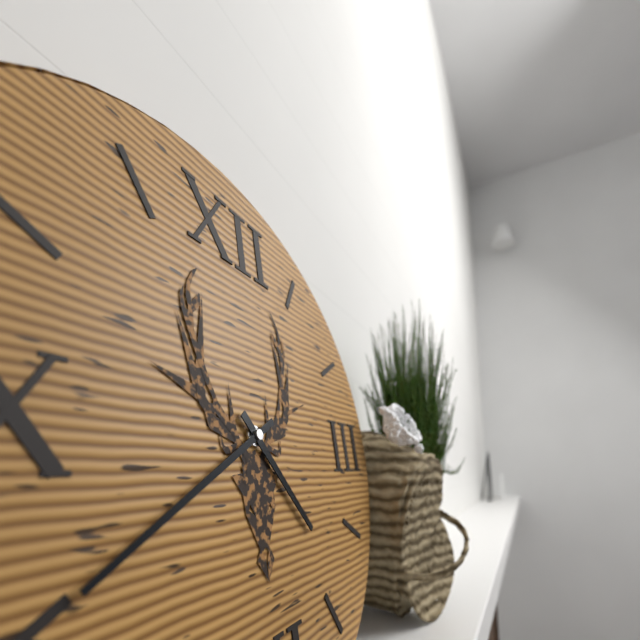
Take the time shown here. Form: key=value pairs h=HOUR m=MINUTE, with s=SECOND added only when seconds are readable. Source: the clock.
h=4 m=40
